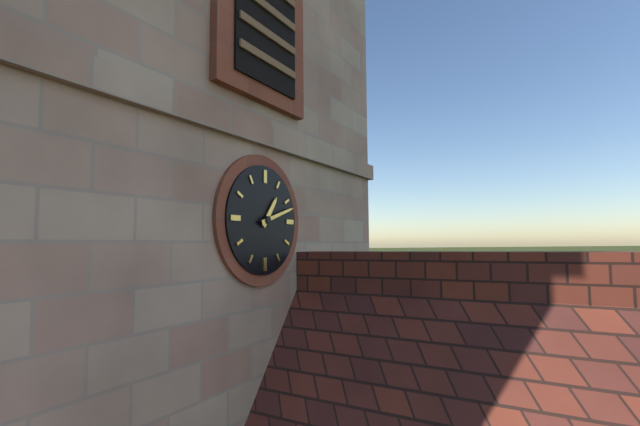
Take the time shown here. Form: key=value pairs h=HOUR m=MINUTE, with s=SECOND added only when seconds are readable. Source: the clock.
h=1 m=12
